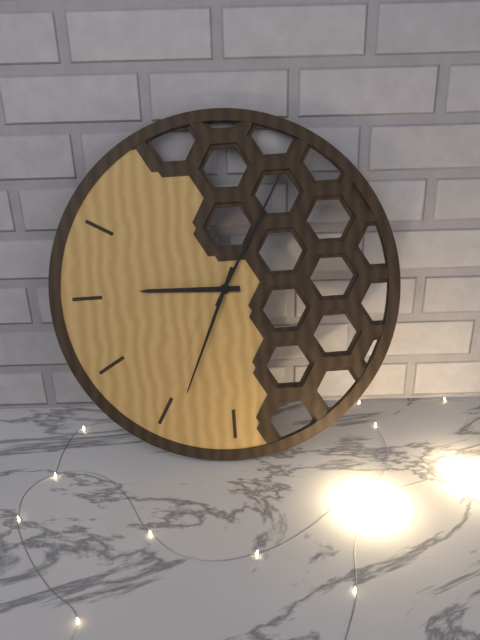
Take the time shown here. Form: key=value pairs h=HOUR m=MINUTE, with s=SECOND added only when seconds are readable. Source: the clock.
h=9 m=5 s=34
